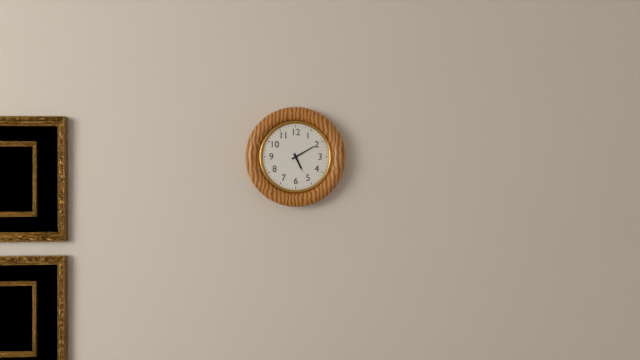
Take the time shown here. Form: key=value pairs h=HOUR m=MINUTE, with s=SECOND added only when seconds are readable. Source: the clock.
h=5 m=10
